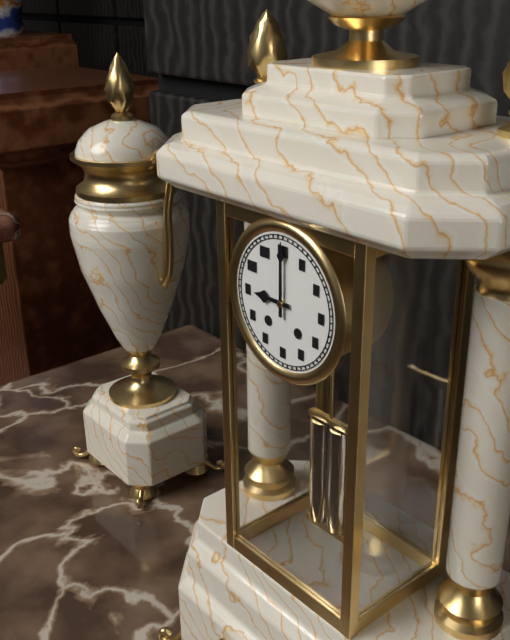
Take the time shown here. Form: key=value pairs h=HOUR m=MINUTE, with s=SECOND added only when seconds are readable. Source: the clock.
h=9 m=0
